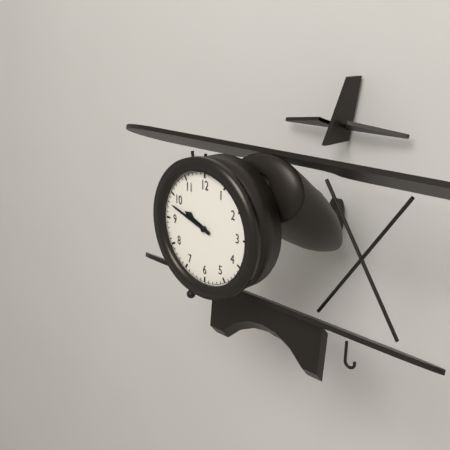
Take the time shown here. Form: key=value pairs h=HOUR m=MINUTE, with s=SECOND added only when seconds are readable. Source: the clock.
h=9 m=48
